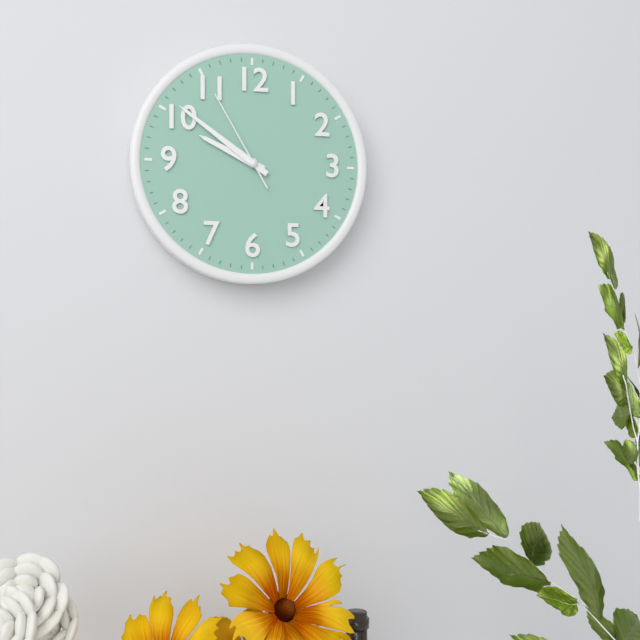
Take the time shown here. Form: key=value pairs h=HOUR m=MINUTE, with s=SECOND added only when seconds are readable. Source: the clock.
h=9 m=51 s=55
